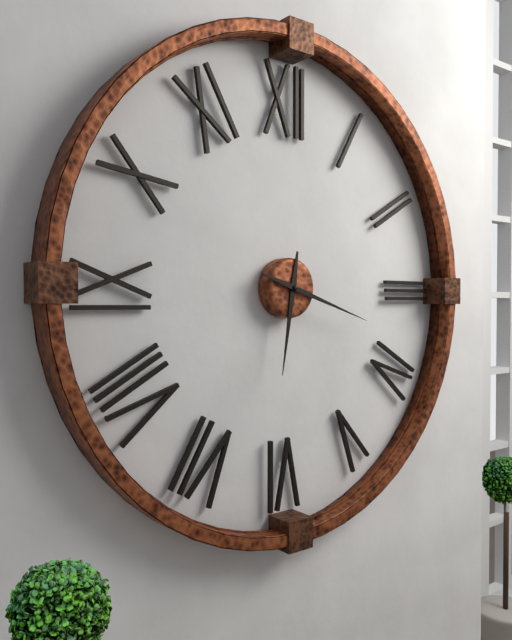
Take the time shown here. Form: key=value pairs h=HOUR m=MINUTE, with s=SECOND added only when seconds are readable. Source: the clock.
h=6 m=18
